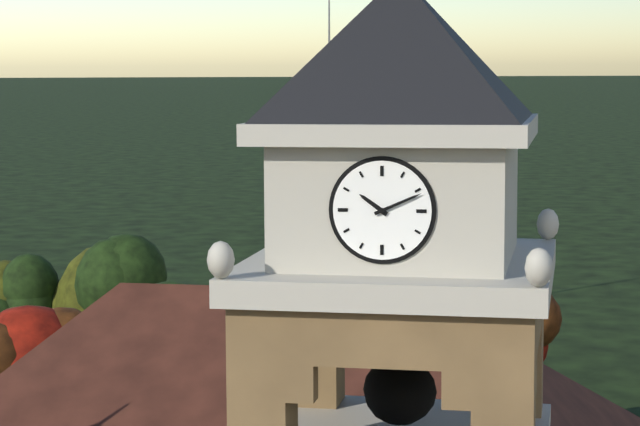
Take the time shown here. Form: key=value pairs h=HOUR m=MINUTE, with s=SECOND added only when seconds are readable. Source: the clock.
h=10 m=11
